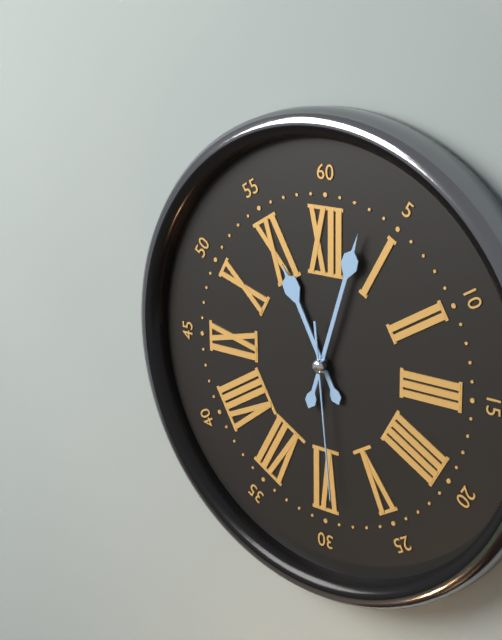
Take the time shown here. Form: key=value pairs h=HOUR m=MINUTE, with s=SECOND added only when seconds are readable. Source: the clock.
h=11 m=3 s=29
